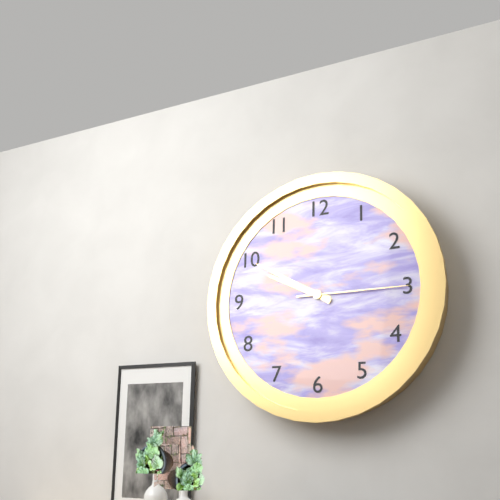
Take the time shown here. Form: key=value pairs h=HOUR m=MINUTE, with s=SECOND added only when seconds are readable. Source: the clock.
h=9 m=50 s=15
